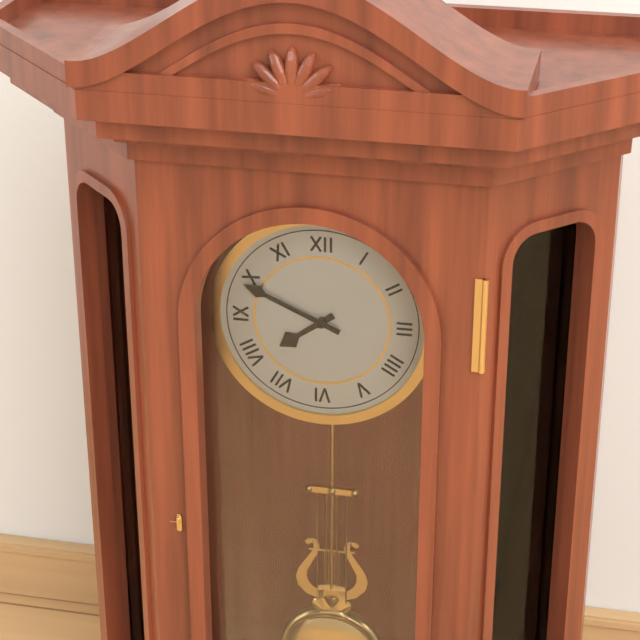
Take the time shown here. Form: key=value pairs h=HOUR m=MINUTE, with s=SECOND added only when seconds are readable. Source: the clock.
h=7 m=49
